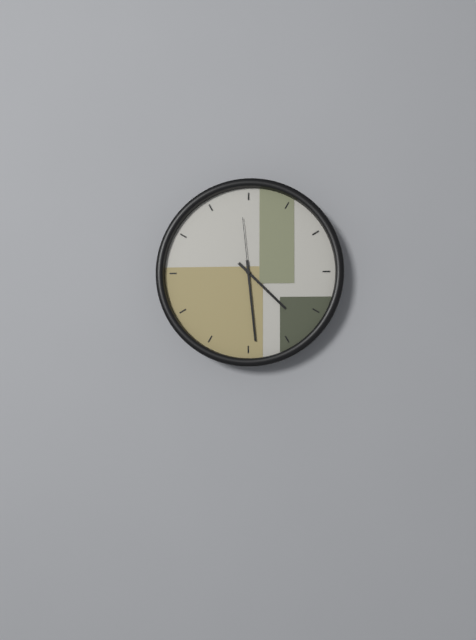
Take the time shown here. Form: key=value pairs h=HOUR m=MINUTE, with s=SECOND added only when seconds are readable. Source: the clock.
h=4 m=29 s=59
